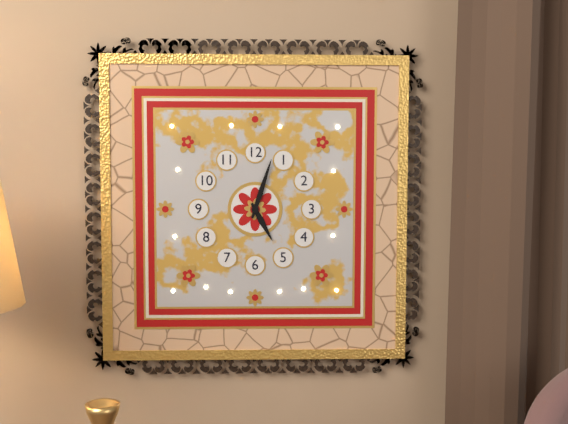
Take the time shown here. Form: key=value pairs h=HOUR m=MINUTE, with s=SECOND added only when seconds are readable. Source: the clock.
h=5 m=3
